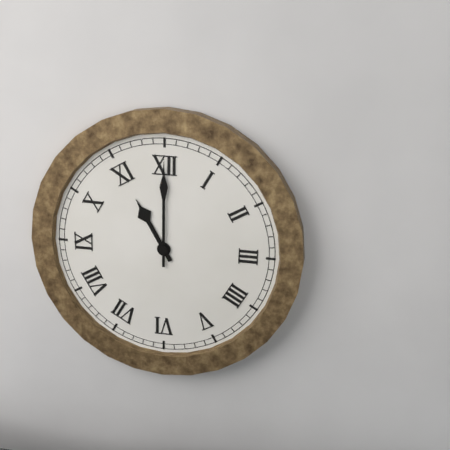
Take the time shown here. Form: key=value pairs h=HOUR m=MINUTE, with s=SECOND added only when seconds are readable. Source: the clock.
h=11 m=0
